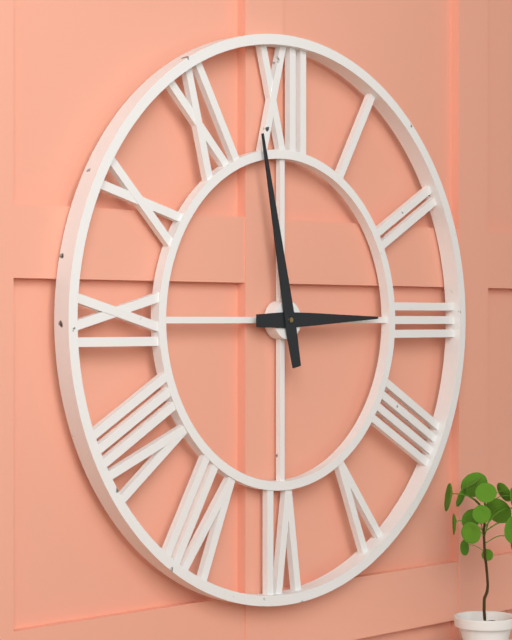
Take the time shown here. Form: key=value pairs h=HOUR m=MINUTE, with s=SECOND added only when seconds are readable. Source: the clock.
h=2 m=58
